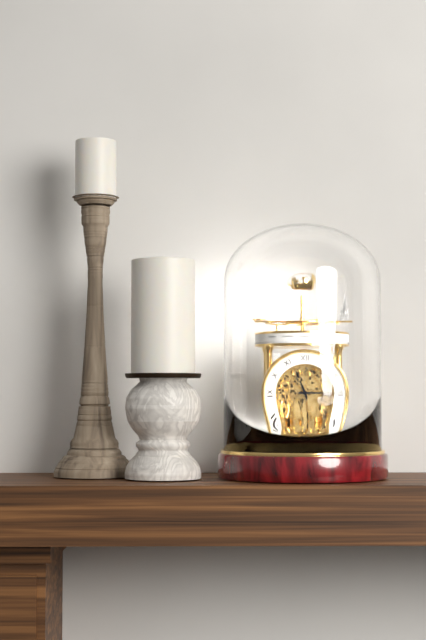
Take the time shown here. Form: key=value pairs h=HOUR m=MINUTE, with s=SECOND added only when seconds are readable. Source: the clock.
h=11 m=15
